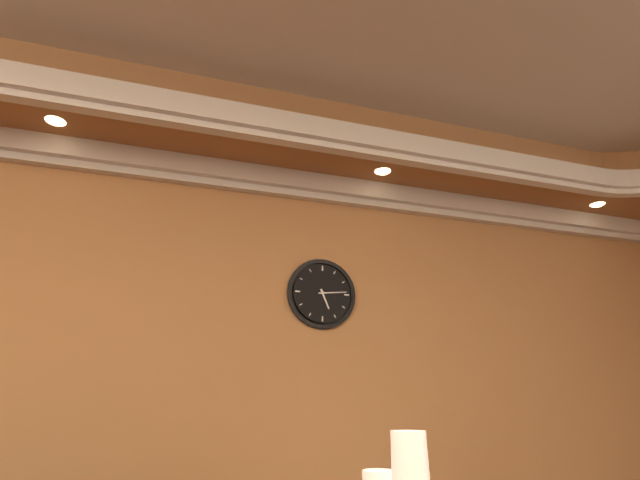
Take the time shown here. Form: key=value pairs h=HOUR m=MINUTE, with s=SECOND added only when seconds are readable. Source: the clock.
h=5 m=14
